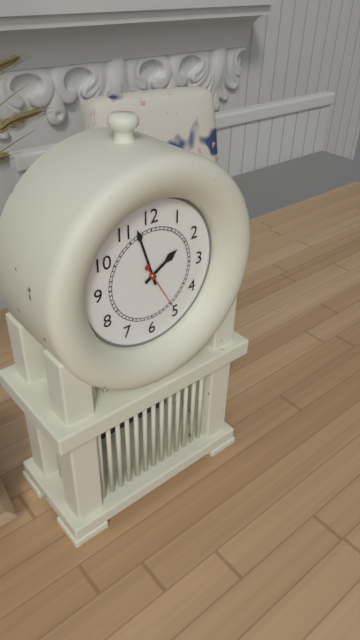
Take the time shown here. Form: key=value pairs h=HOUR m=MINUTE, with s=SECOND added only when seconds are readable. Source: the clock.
h=1 m=57
